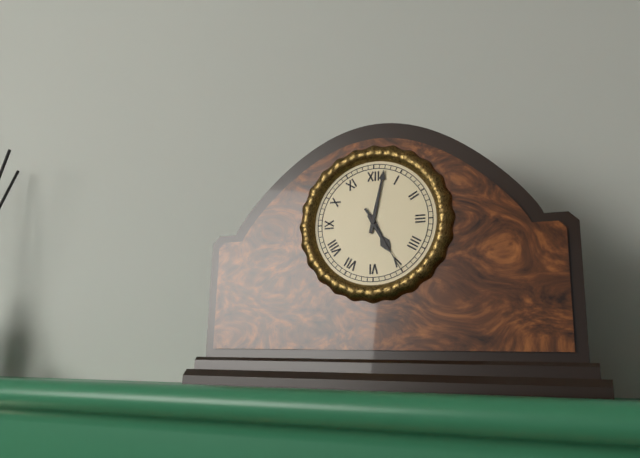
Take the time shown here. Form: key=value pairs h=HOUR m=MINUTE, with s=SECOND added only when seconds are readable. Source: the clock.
h=5 m=2
